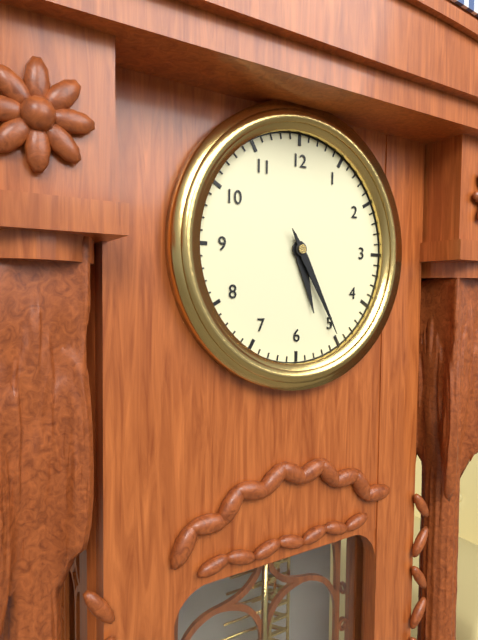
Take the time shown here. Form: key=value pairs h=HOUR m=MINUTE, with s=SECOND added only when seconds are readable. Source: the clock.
h=5 m=25
